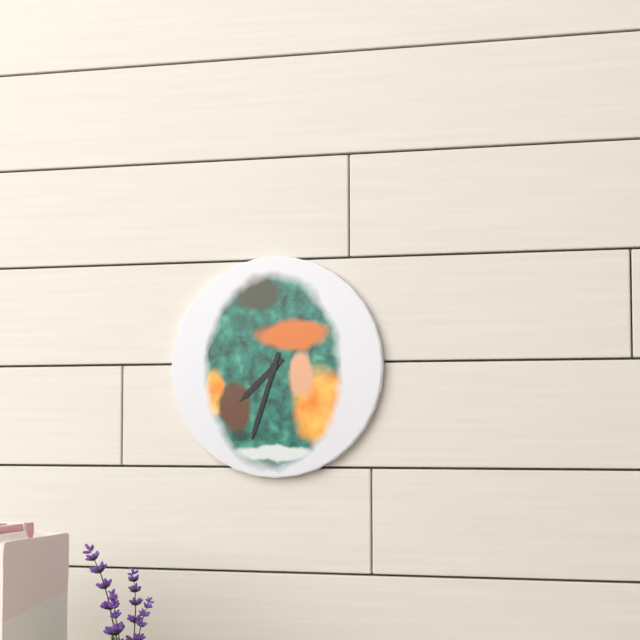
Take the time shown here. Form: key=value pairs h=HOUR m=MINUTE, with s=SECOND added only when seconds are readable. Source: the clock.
h=7 m=33
